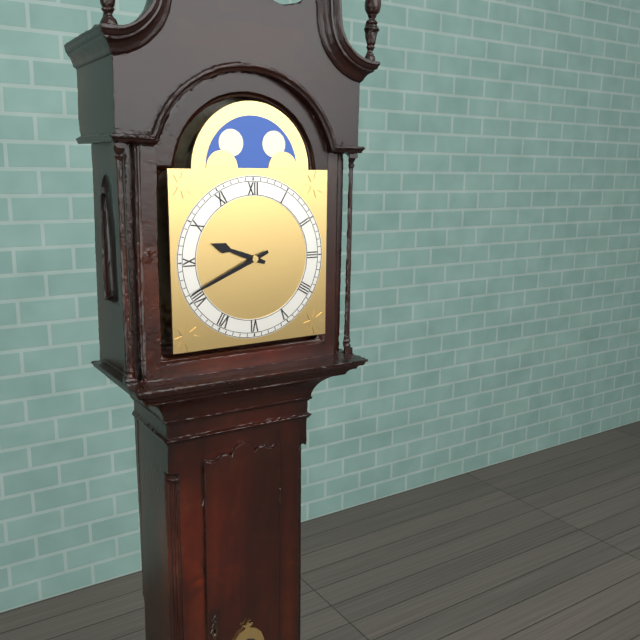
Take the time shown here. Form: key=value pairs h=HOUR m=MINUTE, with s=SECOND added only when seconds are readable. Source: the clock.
h=9 m=41
